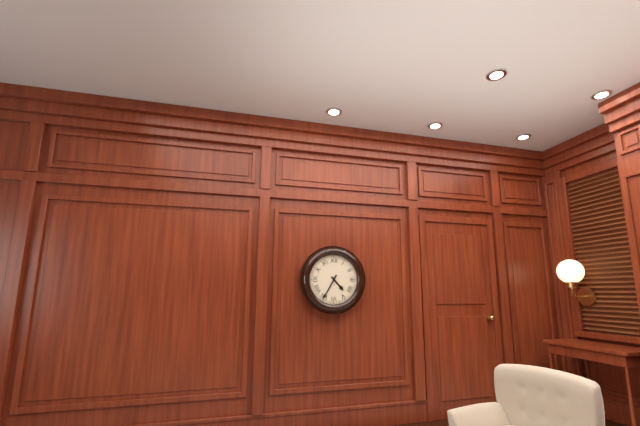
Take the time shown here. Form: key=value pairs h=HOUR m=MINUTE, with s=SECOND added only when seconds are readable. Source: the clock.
h=4 m=35
